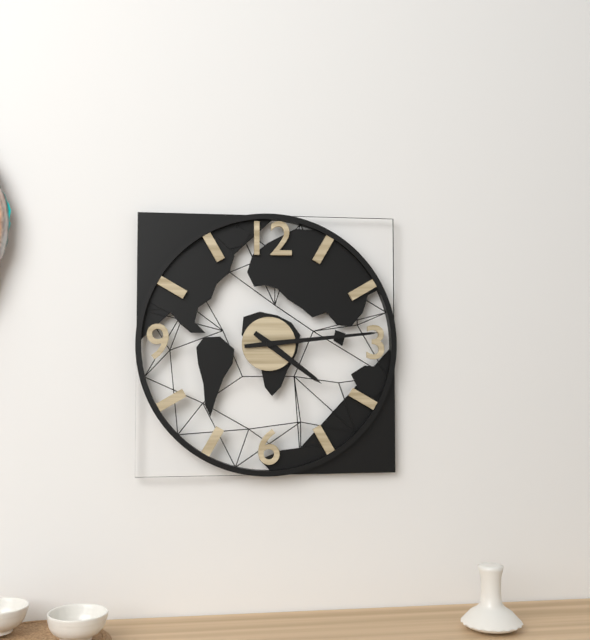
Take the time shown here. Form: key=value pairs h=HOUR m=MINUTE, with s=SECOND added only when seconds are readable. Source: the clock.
h=4 m=14
